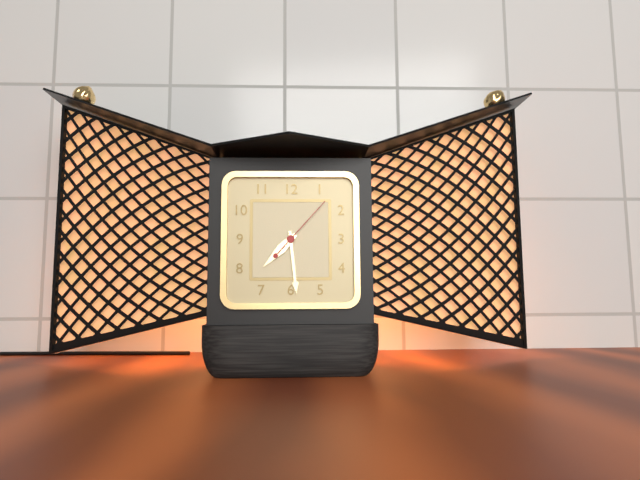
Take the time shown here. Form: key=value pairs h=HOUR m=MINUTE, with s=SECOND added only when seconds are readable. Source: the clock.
h=7 m=29 s=7
